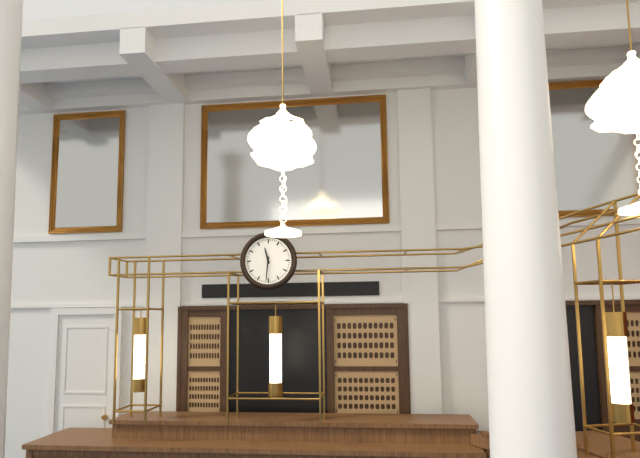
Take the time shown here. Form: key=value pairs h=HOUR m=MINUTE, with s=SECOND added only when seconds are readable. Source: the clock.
h=11 m=31
